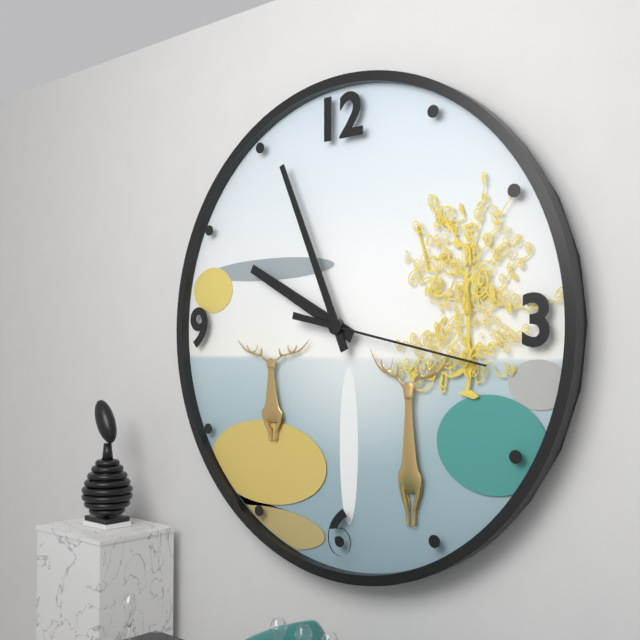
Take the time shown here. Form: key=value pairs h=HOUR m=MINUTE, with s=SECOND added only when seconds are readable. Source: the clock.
h=9 m=56 s=17
